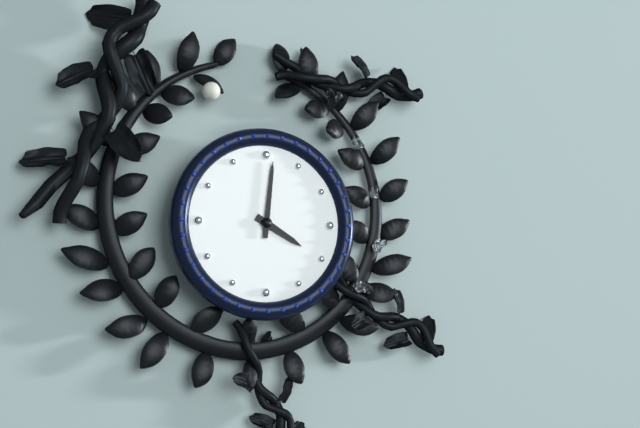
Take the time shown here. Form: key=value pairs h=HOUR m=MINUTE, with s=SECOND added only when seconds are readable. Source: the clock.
h=4 m=1
